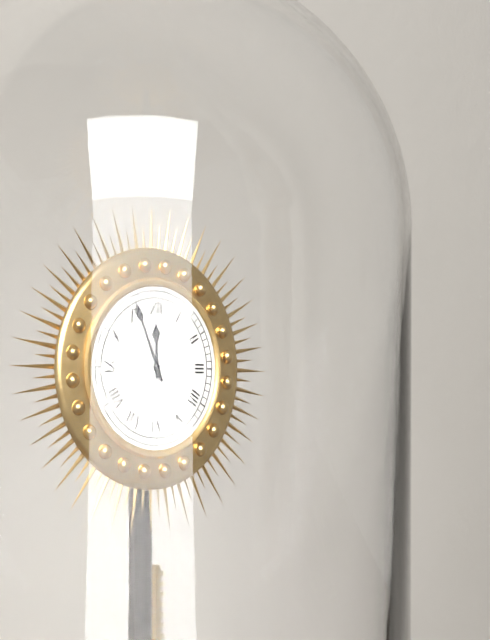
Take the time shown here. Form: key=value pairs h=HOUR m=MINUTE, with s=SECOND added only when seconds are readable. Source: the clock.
h=11 m=56
